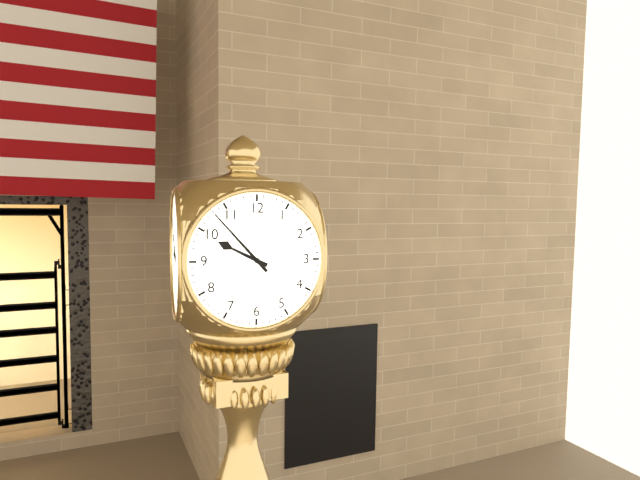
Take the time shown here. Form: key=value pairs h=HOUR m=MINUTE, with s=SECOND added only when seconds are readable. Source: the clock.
h=9 m=53
